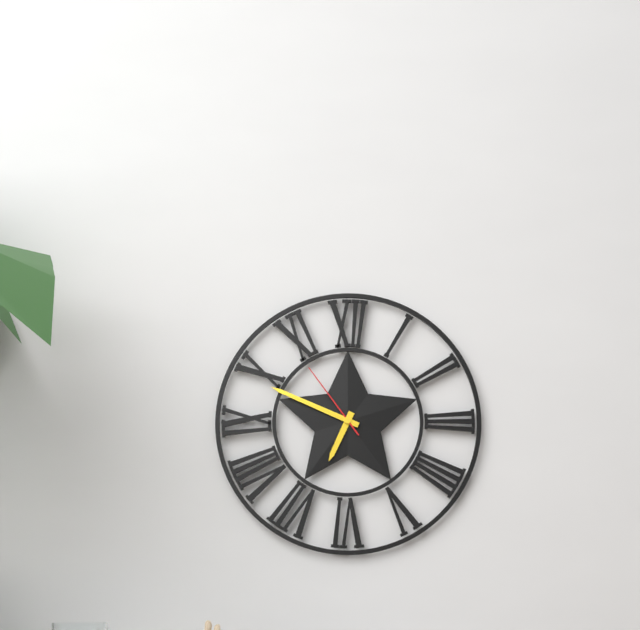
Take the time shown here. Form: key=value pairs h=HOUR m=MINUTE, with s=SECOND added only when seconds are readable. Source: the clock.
h=6 m=49 s=54
